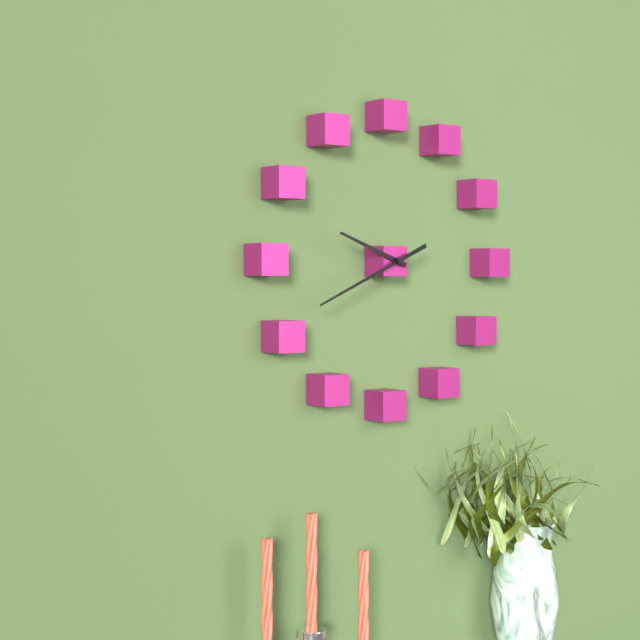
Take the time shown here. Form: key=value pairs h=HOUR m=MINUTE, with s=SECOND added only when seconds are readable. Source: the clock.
h=9 m=41
